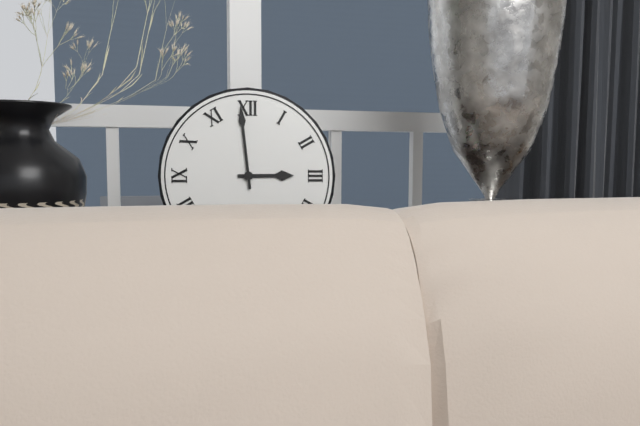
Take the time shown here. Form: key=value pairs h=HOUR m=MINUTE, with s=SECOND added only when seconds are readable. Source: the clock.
h=2 m=59
